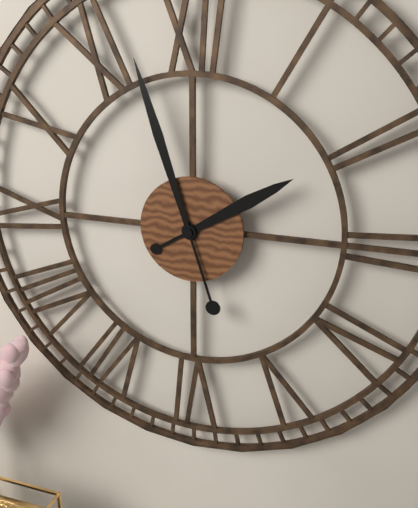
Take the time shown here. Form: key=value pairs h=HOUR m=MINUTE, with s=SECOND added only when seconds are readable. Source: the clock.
h=1 m=57
